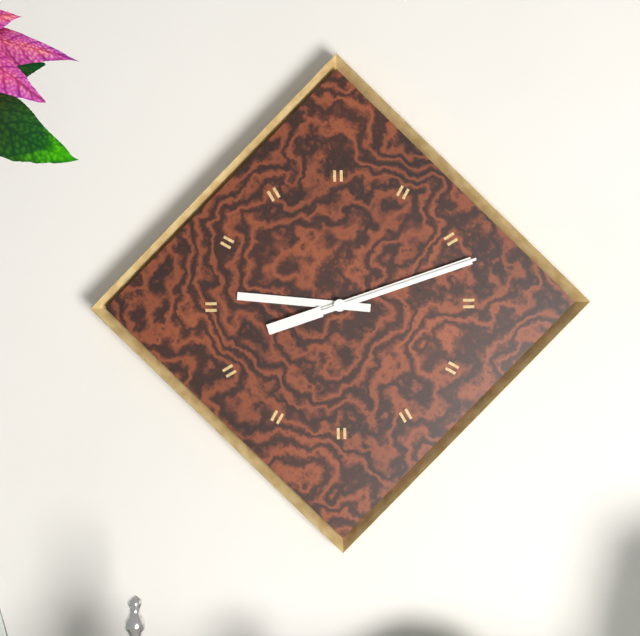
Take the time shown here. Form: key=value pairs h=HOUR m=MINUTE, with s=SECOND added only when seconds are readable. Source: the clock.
h=9 m=12 s=12
